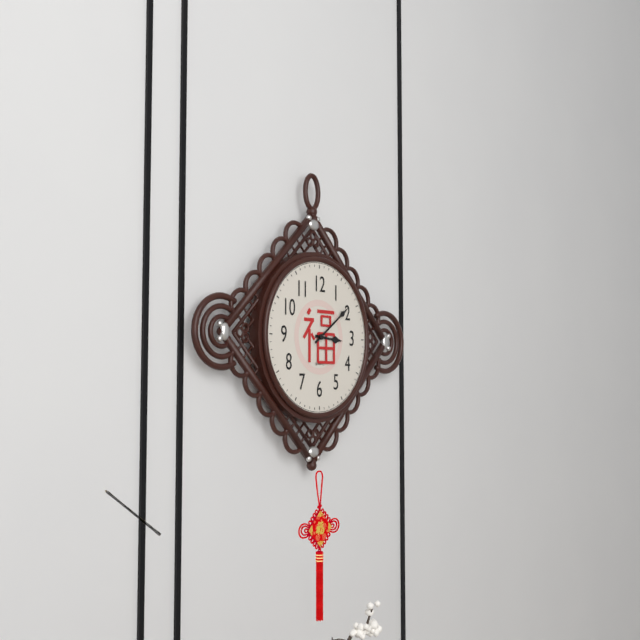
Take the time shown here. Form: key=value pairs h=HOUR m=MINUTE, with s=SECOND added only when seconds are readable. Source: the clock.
h=3 m=9
